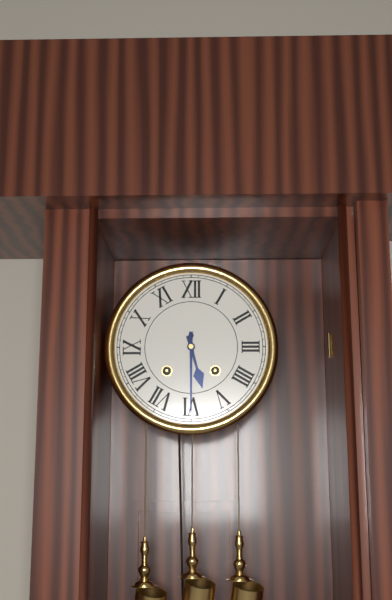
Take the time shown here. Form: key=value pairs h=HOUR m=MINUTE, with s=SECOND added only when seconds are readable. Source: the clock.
h=5 m=30
